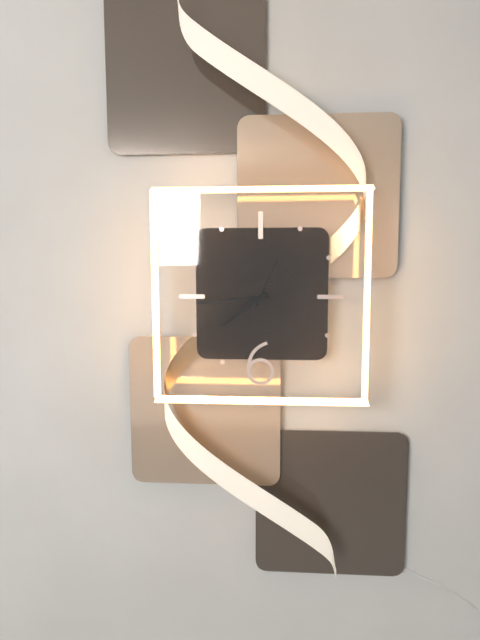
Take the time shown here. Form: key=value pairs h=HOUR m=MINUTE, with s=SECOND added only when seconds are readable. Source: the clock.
h=7 m=44 s=4
